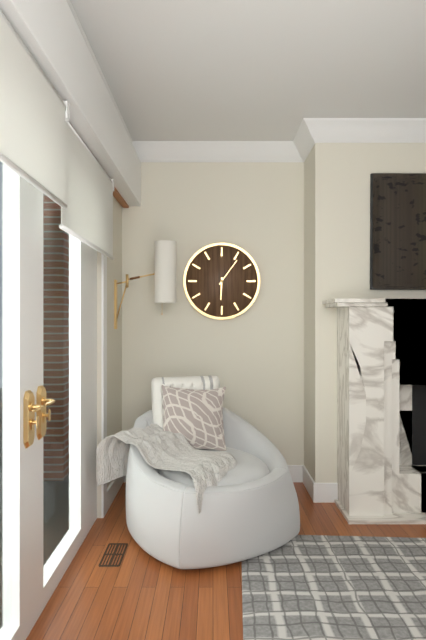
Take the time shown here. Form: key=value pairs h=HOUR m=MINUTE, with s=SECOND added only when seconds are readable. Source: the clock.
h=6 m=6
